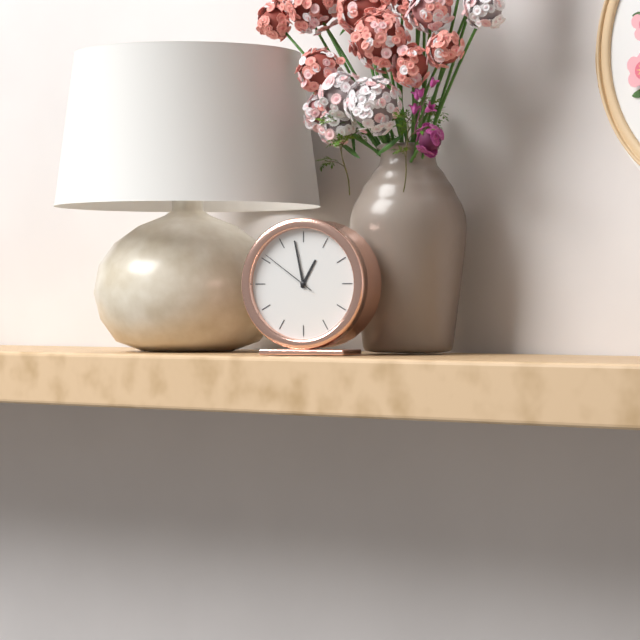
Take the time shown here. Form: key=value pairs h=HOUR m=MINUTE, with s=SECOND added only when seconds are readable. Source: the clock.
h=12 m=58 s=51
